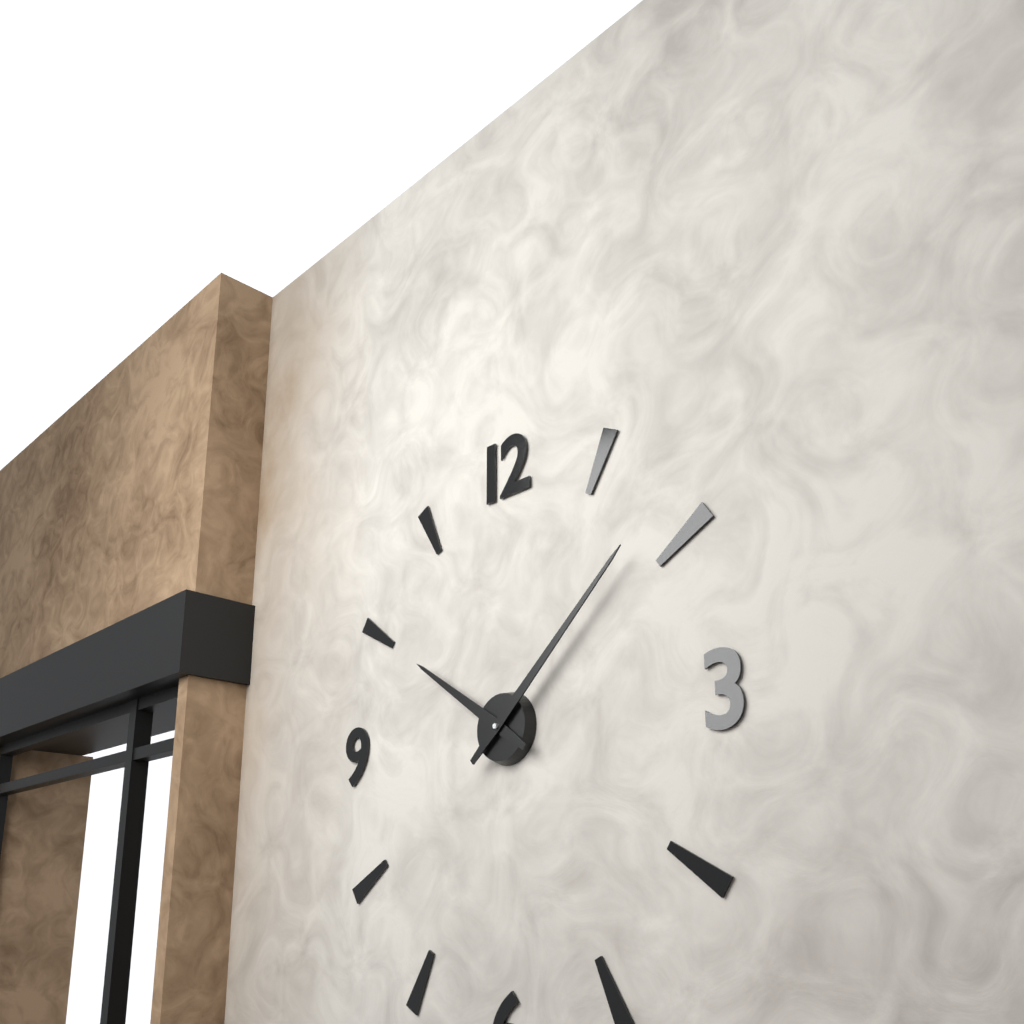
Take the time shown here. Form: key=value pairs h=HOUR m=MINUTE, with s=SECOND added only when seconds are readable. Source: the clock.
h=10 m=8
